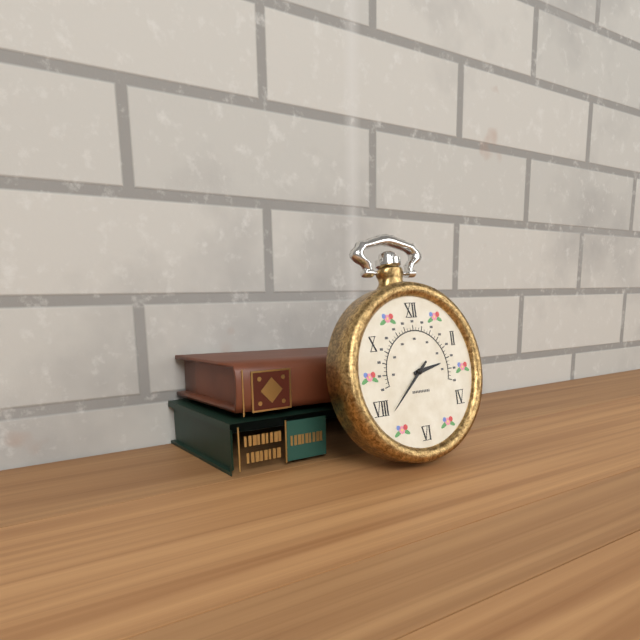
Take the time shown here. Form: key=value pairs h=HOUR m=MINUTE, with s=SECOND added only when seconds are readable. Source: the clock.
h=2 m=38
